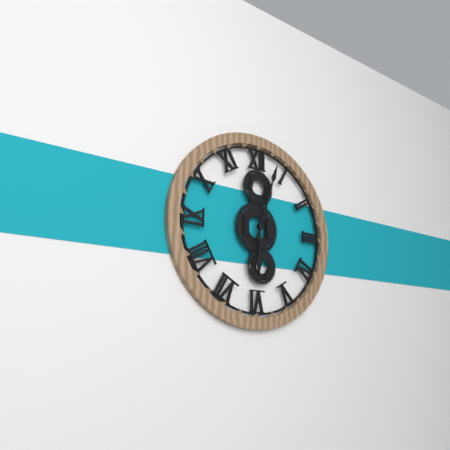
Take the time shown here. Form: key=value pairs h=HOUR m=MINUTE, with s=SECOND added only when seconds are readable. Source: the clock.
h=6 m=3
